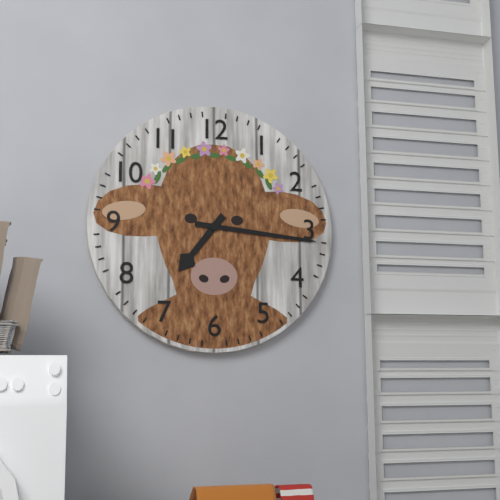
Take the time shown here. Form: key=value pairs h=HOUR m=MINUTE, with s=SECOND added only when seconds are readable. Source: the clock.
h=7 m=16
